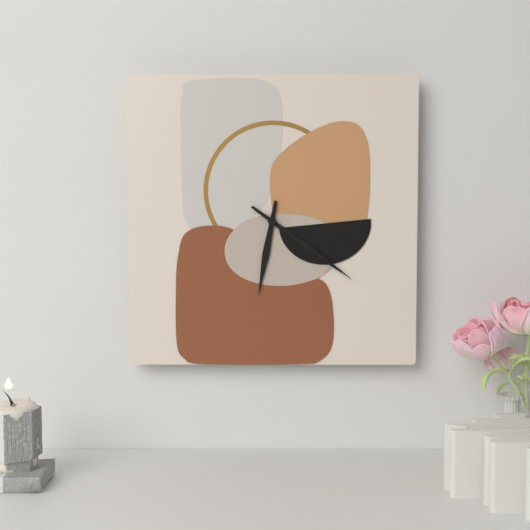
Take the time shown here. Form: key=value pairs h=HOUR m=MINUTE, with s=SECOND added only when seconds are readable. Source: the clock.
h=6 m=21
